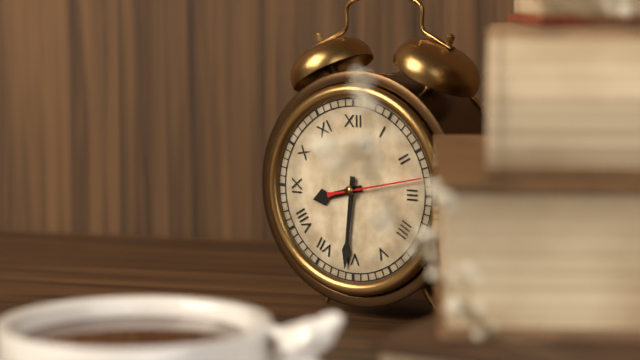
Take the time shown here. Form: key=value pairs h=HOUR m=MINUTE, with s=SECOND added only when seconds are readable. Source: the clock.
h=8 m=31 s=13
